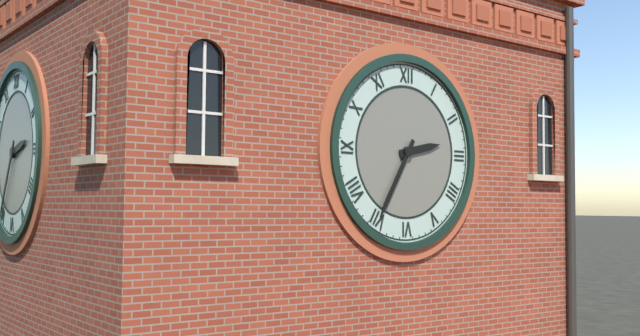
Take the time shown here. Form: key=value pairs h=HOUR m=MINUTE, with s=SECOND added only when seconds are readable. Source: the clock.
h=2 m=35
